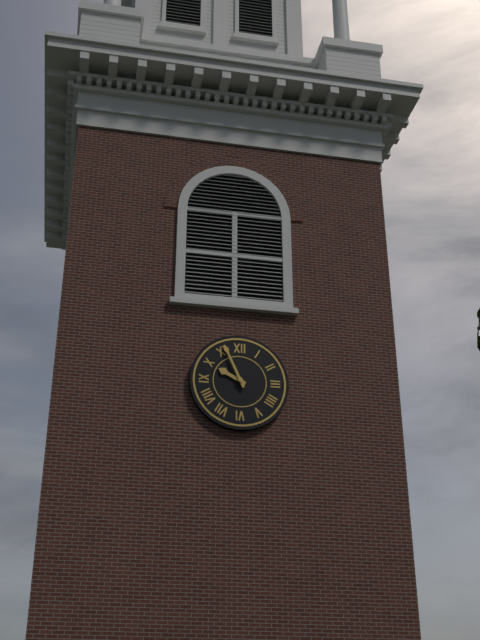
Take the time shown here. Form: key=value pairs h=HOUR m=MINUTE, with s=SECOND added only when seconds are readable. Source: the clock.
h=9 m=56
